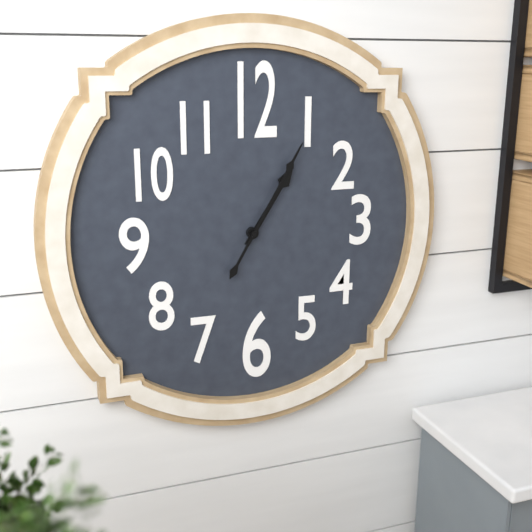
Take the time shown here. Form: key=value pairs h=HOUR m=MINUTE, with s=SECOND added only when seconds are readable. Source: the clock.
h=1 m=5
